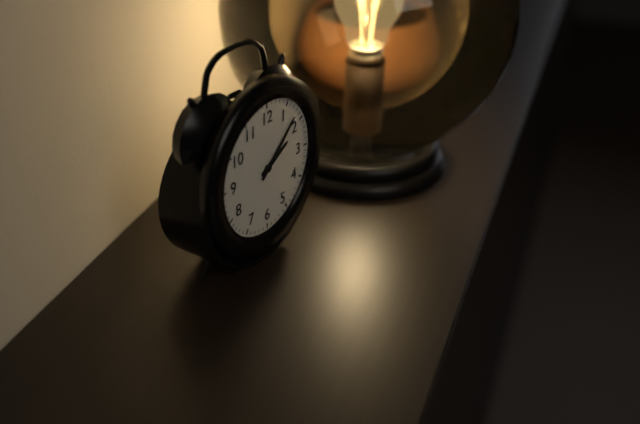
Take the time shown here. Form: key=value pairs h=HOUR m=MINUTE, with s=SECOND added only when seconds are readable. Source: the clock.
h=2 m=8
